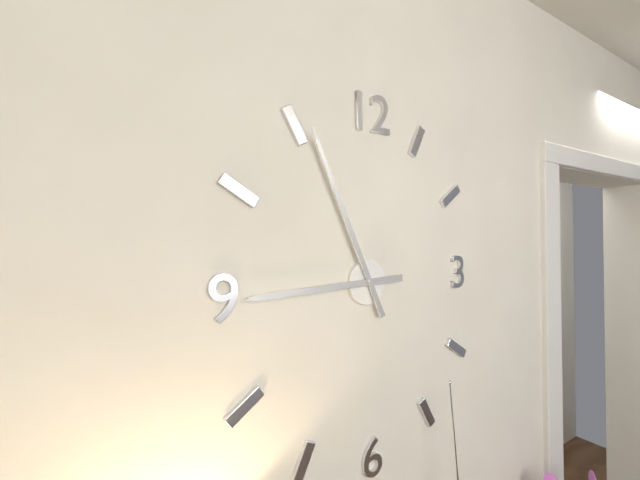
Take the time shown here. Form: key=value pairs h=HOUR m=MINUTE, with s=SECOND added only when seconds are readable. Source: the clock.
h=8 m=56
